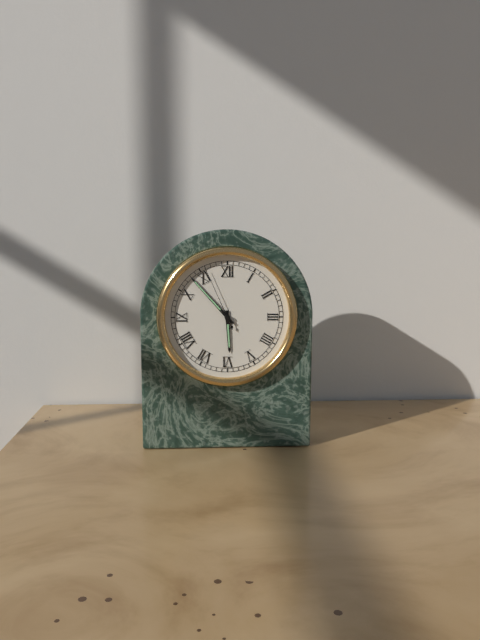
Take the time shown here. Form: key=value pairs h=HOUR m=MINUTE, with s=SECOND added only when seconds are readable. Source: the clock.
h=5 m=53 s=56
